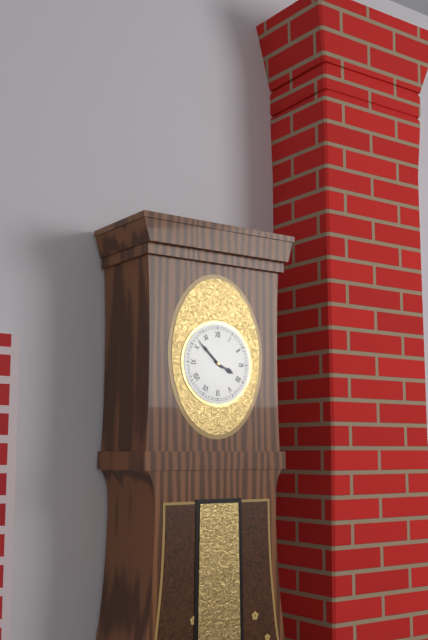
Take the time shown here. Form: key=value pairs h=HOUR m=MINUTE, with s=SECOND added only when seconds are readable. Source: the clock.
h=3 m=52
